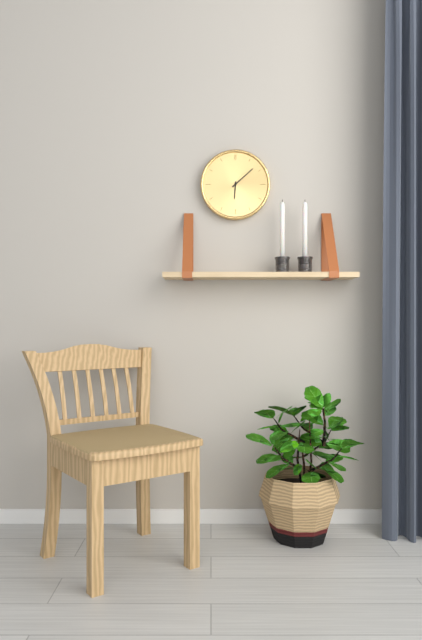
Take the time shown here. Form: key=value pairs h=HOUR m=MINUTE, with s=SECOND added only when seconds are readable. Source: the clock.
h=6 m=8
